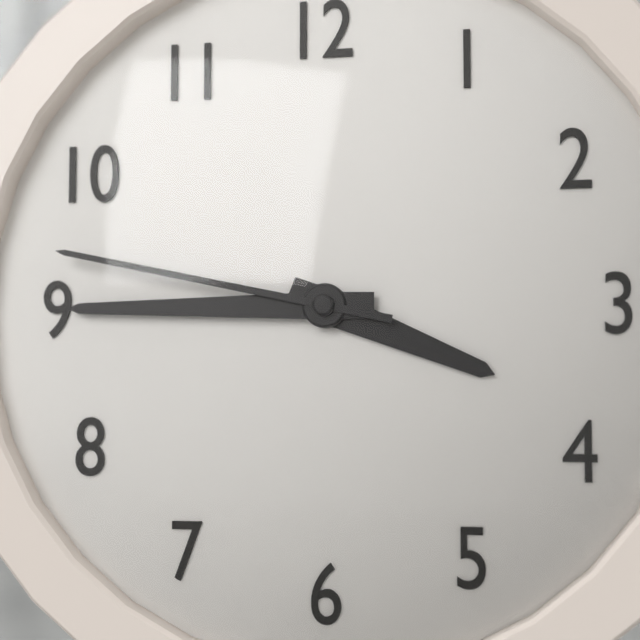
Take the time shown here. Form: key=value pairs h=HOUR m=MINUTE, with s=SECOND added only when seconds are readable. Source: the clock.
h=3 m=45 s=47
